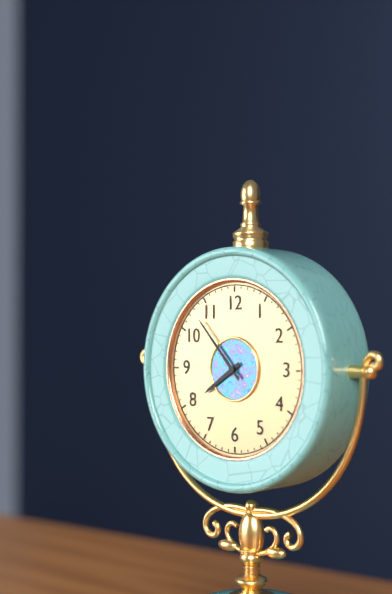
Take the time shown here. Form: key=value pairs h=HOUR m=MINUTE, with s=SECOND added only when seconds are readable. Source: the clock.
h=7 m=53
